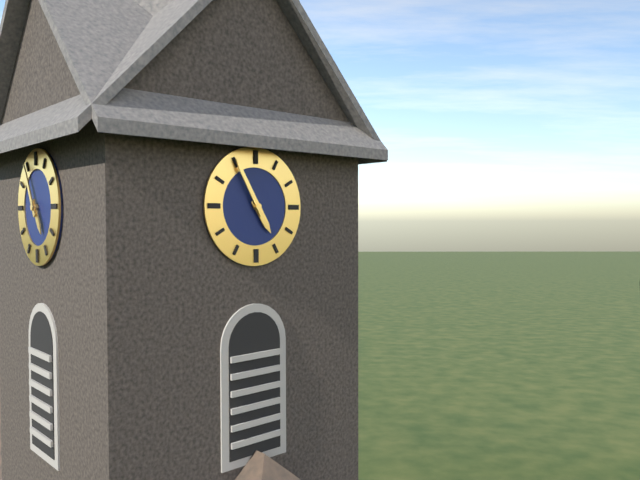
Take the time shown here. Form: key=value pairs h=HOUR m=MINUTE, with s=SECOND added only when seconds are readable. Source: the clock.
h=4 m=55
